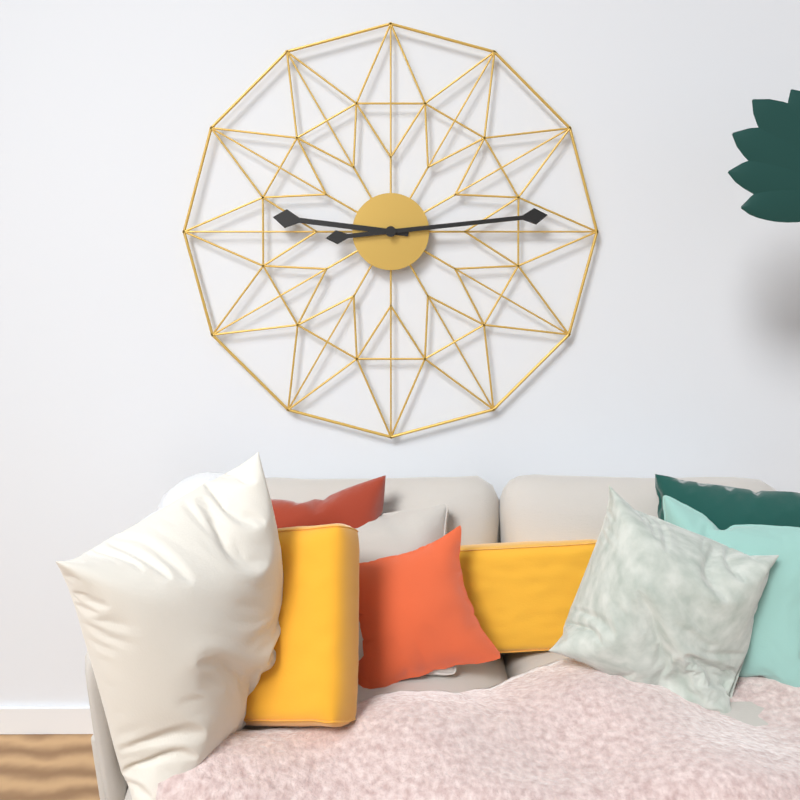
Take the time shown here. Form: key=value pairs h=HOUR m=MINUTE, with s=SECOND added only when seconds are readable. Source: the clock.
h=9 m=14
